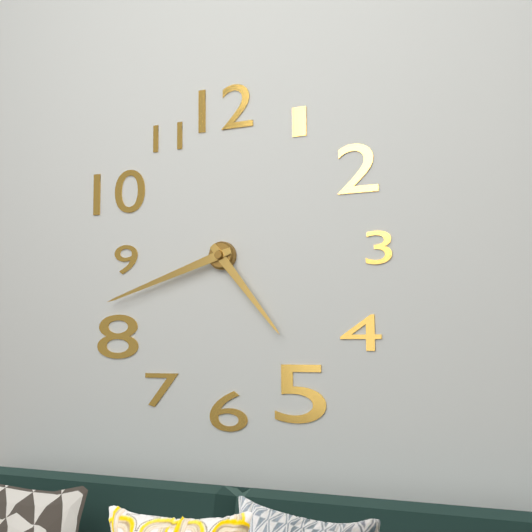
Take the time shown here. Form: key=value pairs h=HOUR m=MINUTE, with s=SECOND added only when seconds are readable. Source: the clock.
h=4 m=42
